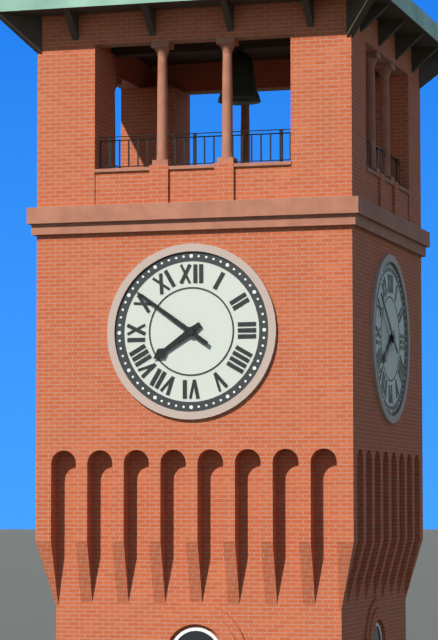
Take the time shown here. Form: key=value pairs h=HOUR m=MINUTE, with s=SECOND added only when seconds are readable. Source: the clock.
h=7 m=51
